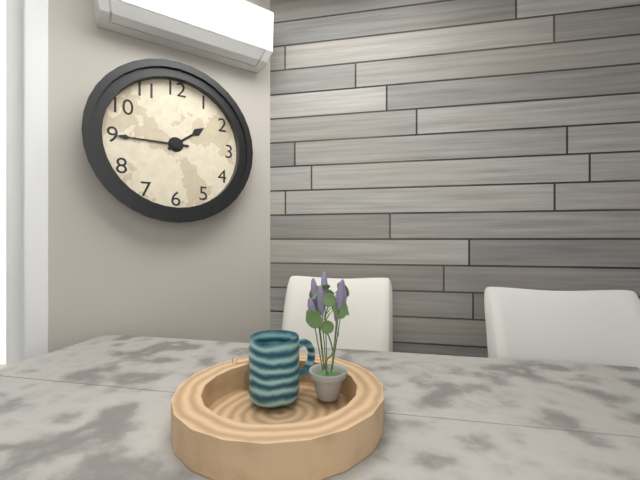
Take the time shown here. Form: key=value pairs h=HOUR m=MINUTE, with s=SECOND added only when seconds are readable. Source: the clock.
h=1 m=45
